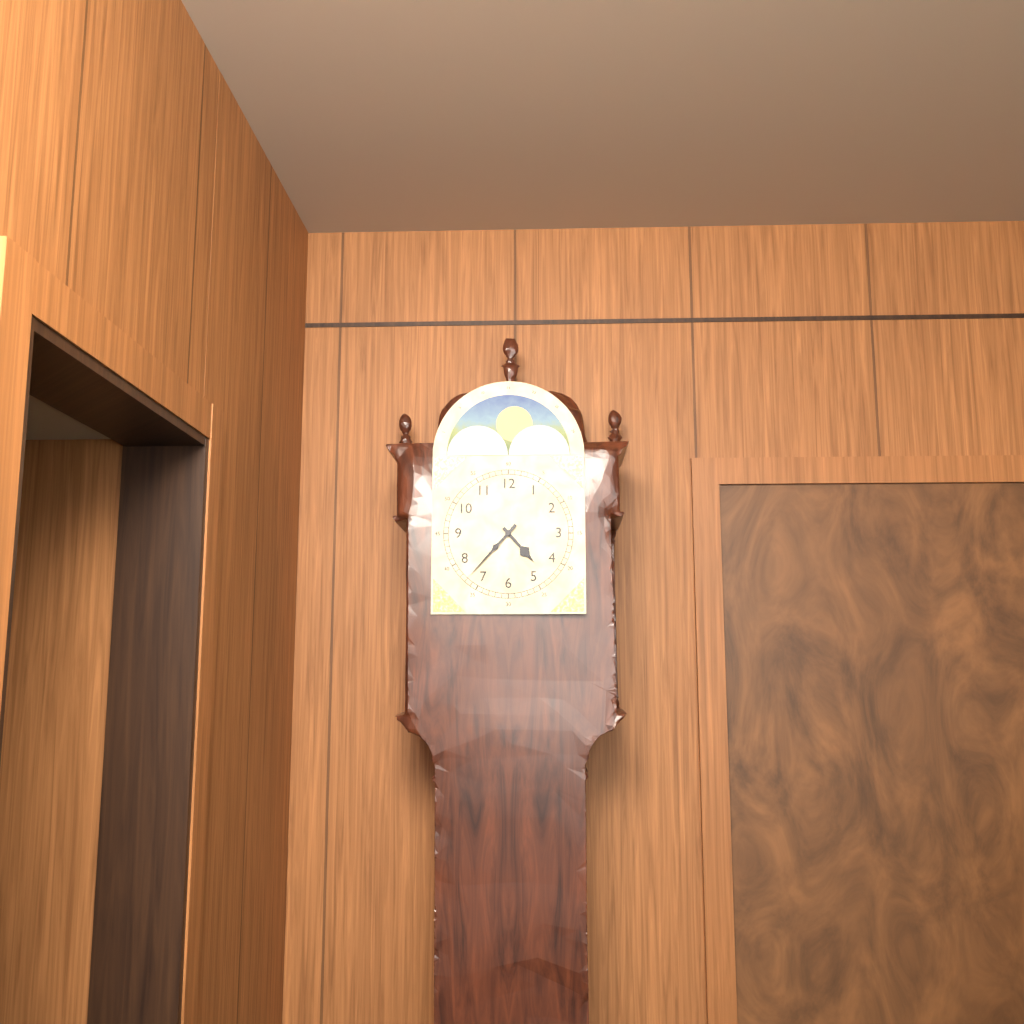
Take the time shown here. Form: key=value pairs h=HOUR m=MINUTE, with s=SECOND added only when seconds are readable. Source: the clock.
h=4 m=37
